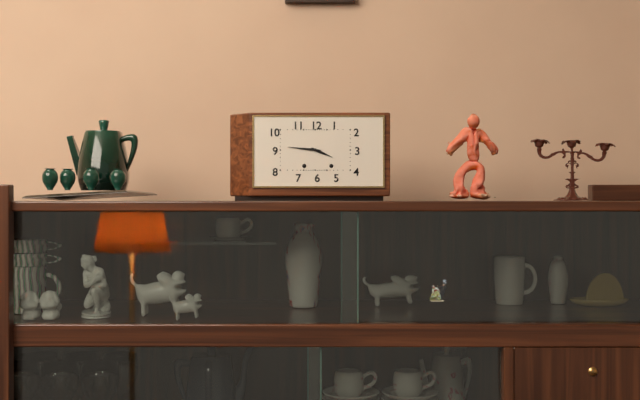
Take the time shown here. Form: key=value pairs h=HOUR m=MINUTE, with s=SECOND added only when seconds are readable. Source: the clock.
h=3 m=46
